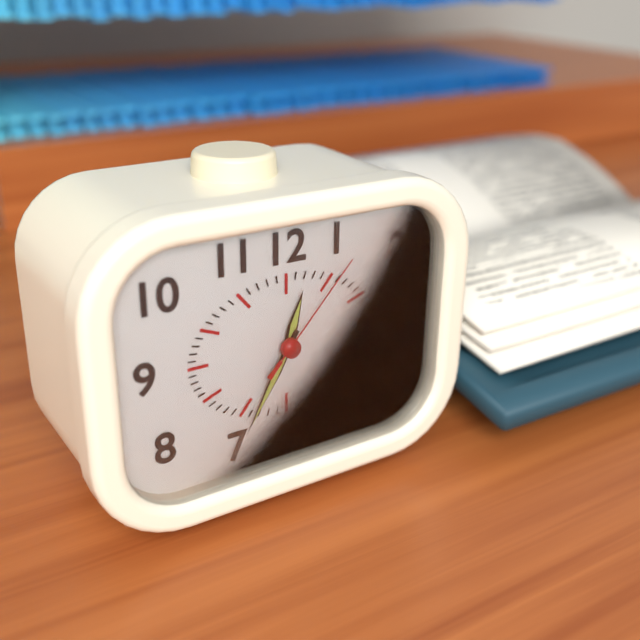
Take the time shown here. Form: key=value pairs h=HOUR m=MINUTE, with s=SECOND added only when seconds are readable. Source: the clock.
h=12 m=35 s=7
